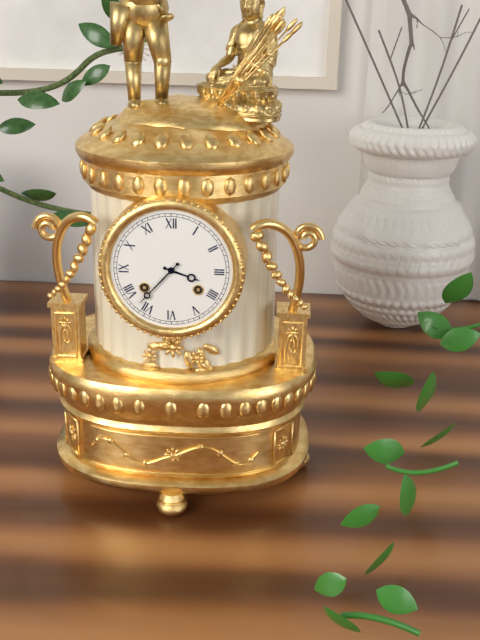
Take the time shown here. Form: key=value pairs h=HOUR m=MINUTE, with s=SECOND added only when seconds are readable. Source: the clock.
h=3 m=37
